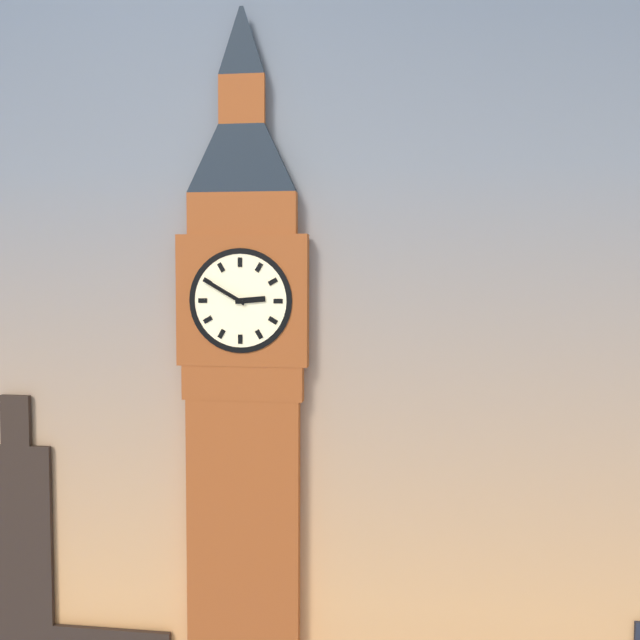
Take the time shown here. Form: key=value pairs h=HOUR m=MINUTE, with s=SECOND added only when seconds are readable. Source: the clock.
h=2 m=50
